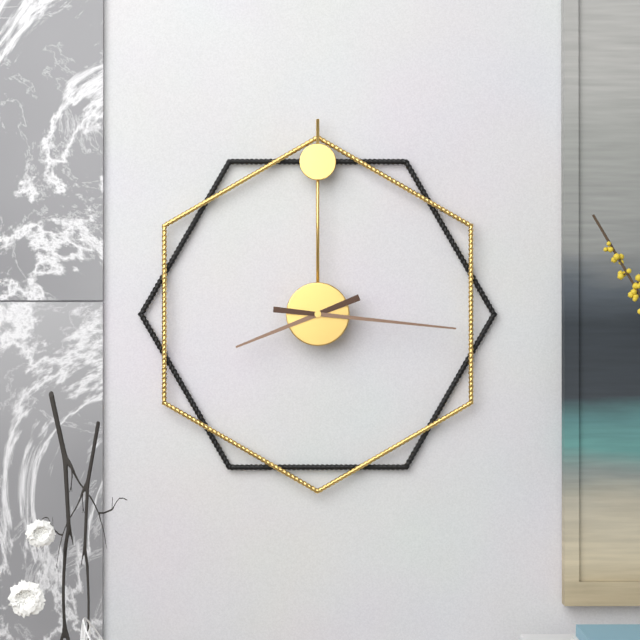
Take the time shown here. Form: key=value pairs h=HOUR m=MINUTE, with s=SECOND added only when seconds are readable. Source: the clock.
h=8 m=16
